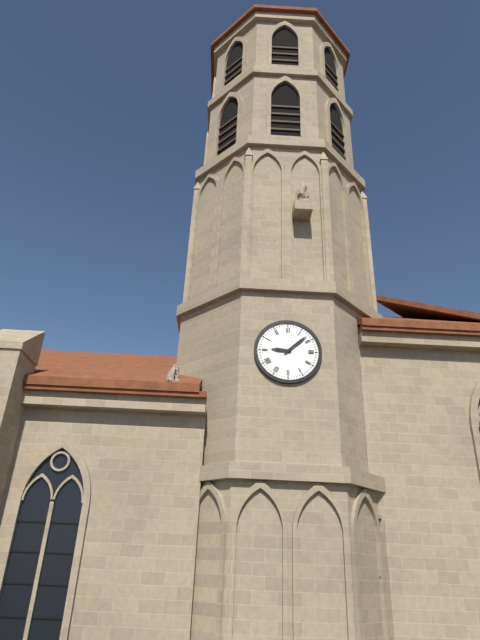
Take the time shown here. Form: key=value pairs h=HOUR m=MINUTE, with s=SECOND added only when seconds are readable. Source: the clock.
h=9 m=8
